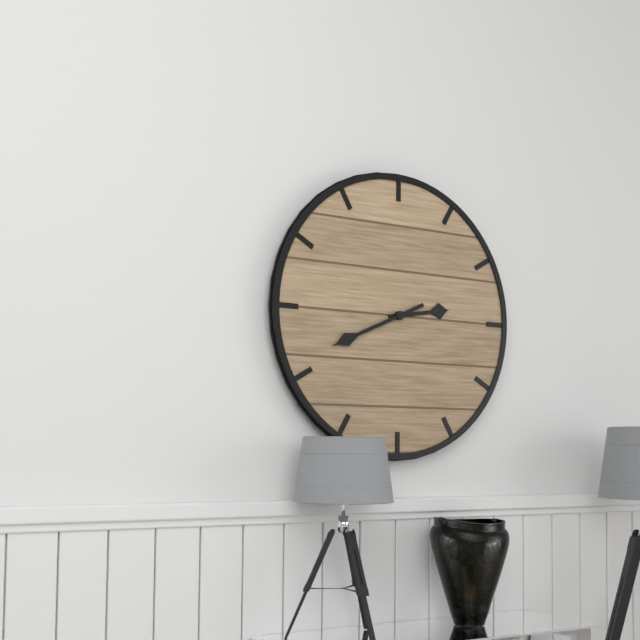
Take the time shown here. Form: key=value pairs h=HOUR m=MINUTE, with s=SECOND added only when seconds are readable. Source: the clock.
h=2 m=41
